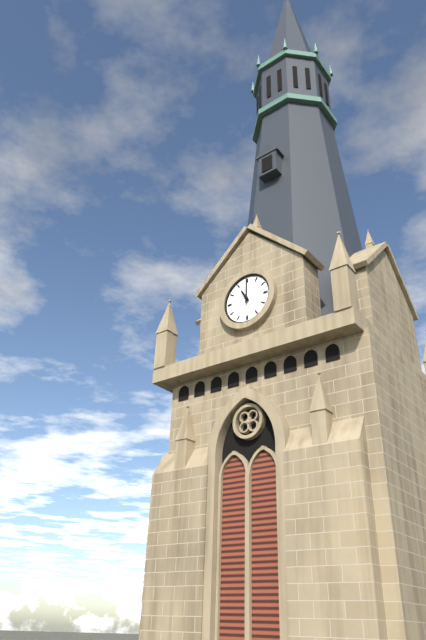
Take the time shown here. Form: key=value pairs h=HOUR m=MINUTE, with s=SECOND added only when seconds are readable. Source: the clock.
h=11 m=0
